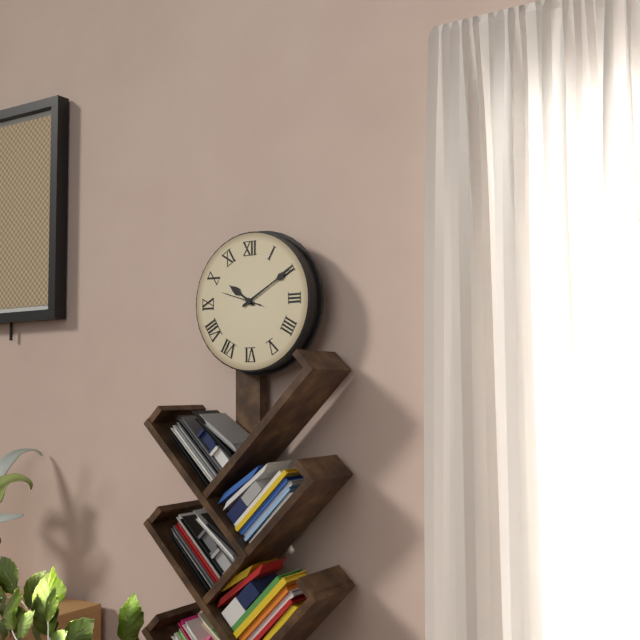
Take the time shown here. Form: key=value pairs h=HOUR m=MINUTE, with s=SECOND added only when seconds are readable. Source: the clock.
h=10 m=10
